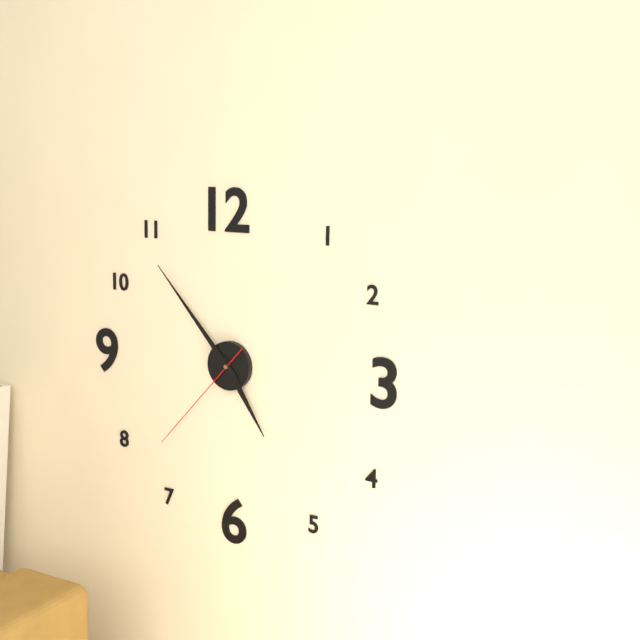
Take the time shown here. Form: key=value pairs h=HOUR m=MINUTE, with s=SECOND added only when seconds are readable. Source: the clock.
h=4 m=53 s=37
